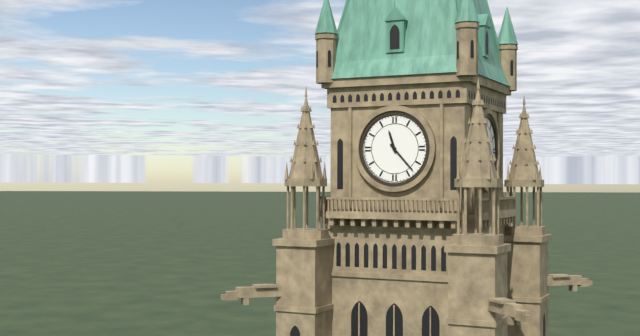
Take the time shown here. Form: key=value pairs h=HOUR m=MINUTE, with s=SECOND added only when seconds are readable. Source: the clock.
h=11 m=23
